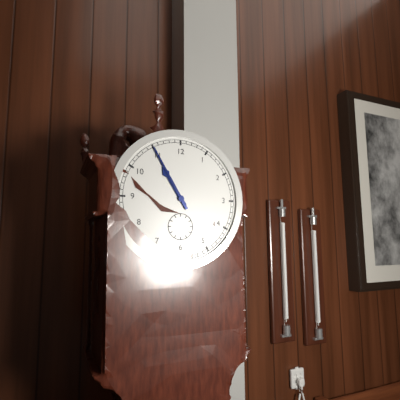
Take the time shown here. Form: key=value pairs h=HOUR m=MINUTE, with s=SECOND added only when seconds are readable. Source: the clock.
h=10 m=55
